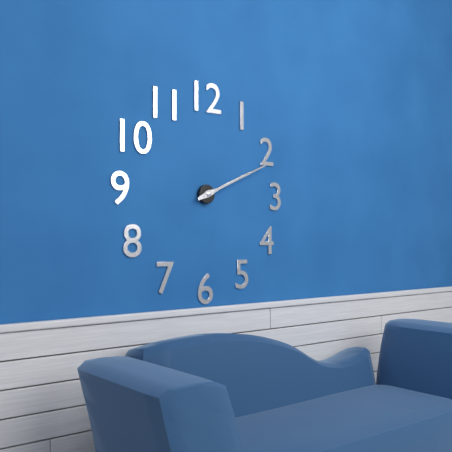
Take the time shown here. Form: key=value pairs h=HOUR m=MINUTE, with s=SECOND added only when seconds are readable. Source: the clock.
h=2 m=11
